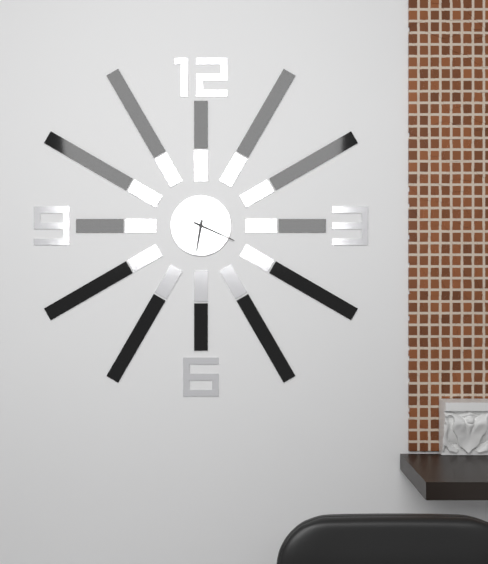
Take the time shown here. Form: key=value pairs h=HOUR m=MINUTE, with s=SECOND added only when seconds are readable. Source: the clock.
h=6 m=19
